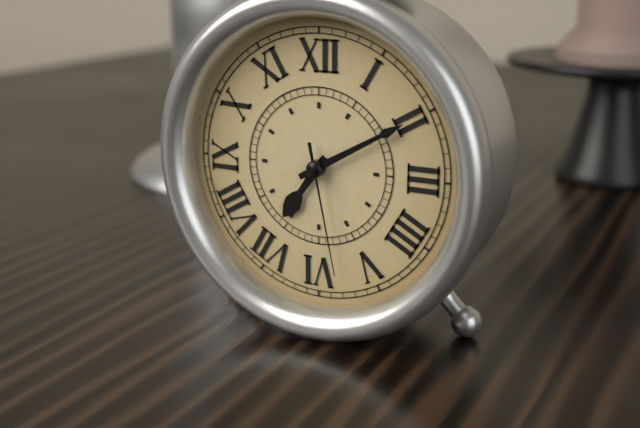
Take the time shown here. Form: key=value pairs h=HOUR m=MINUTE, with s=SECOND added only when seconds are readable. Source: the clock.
h=7 m=10 s=28
